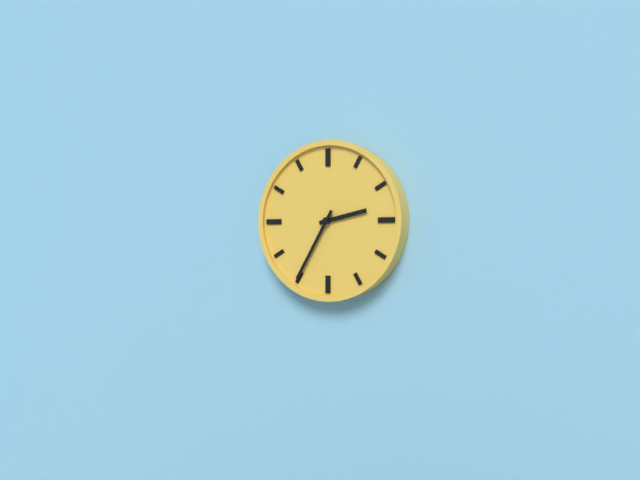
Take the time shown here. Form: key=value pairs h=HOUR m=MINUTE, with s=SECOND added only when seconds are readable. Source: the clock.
h=2 m=35
